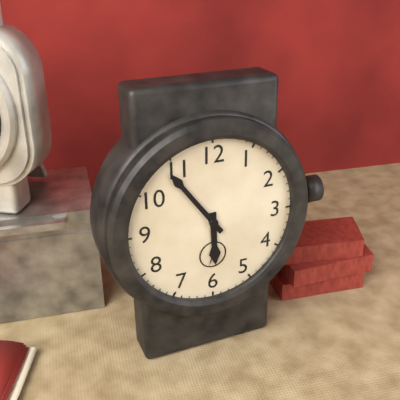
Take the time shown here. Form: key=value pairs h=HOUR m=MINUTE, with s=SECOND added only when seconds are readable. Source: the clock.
h=5 m=54
